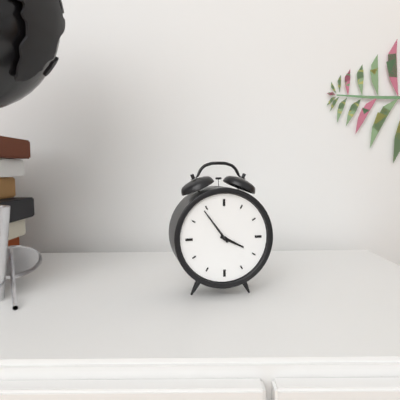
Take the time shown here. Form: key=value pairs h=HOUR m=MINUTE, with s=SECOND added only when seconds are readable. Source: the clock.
h=3 m=54
